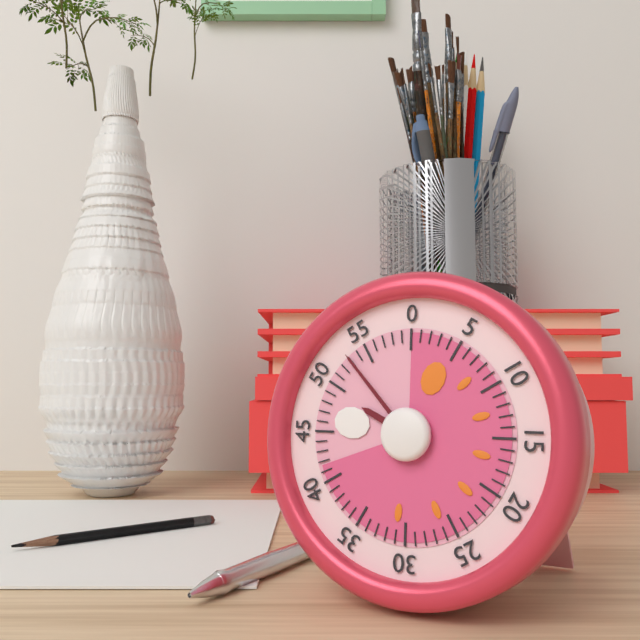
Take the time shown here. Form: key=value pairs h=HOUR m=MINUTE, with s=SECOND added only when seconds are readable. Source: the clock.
h=9 m=53
